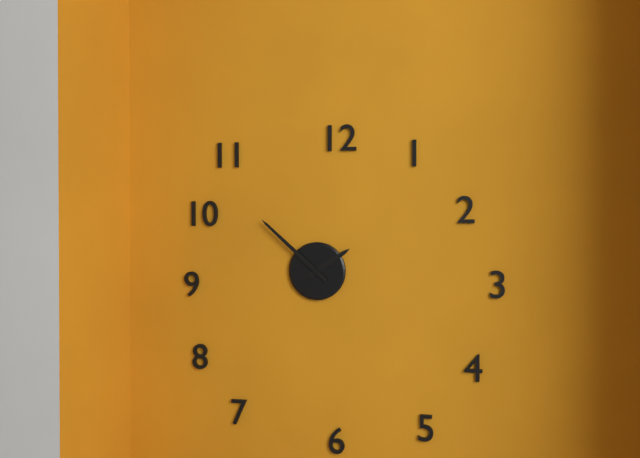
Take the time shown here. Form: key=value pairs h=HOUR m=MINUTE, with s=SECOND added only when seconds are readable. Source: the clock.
h=1 m=52
